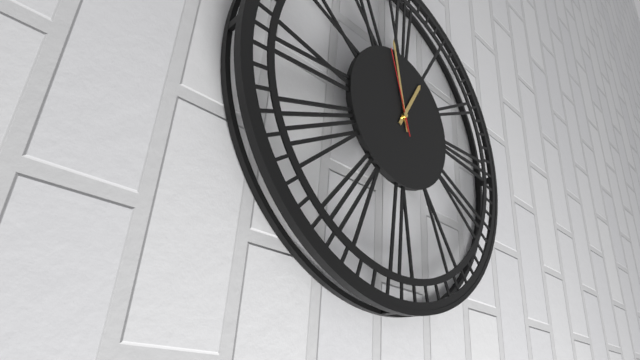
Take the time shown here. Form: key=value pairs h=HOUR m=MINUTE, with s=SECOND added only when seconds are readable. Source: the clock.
h=12 m=58 s=57
